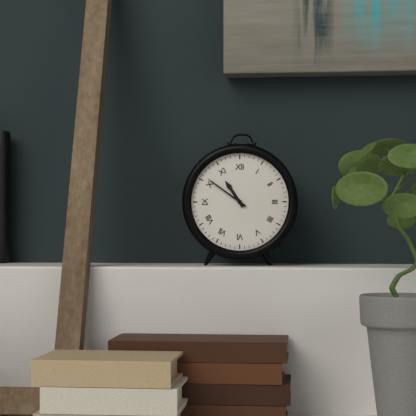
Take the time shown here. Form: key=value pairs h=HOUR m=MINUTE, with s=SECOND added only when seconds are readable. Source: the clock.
h=10 m=51
